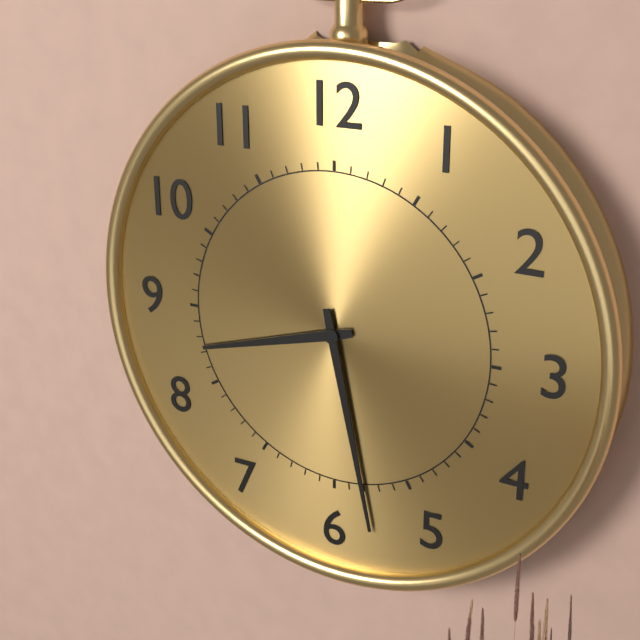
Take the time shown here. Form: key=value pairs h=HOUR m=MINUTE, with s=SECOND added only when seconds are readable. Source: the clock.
h=8 m=28
